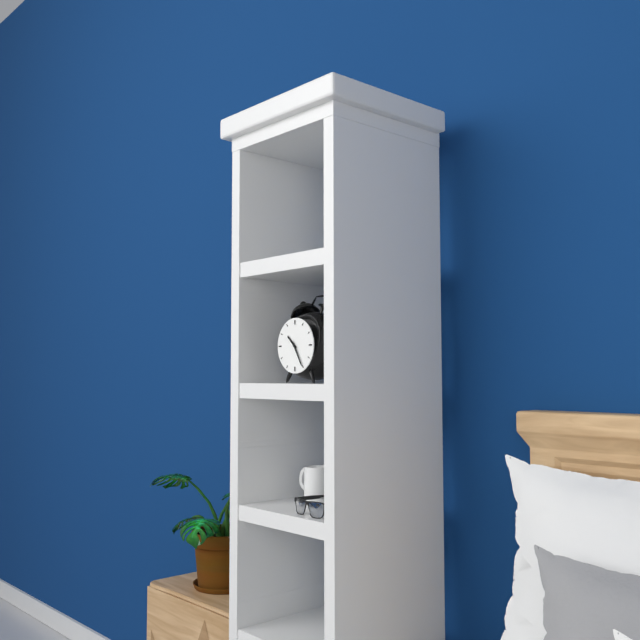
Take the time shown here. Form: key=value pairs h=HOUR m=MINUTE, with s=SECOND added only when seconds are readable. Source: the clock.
h=10 m=25
